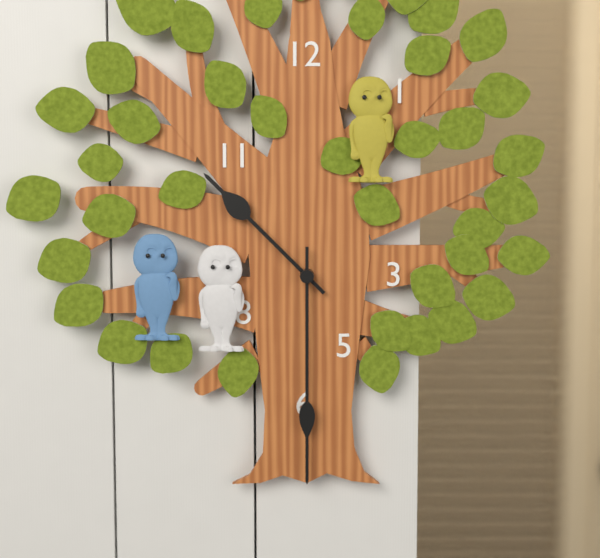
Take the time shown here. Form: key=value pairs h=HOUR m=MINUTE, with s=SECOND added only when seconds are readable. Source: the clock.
h=10 m=30
